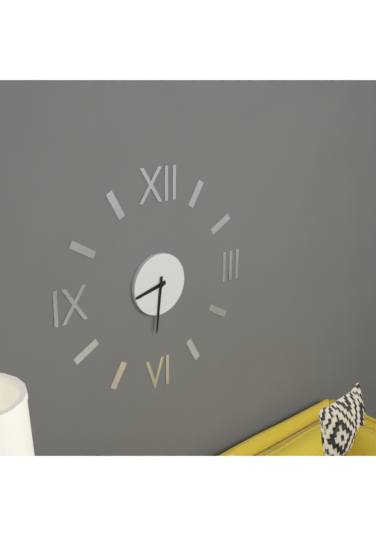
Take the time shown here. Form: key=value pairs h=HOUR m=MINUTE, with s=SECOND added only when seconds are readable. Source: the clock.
h=8 m=31
